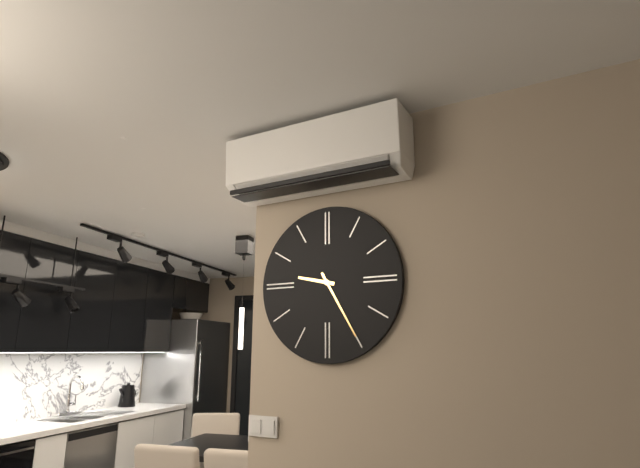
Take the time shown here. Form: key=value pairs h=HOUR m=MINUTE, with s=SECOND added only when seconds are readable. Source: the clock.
h=9 m=25
